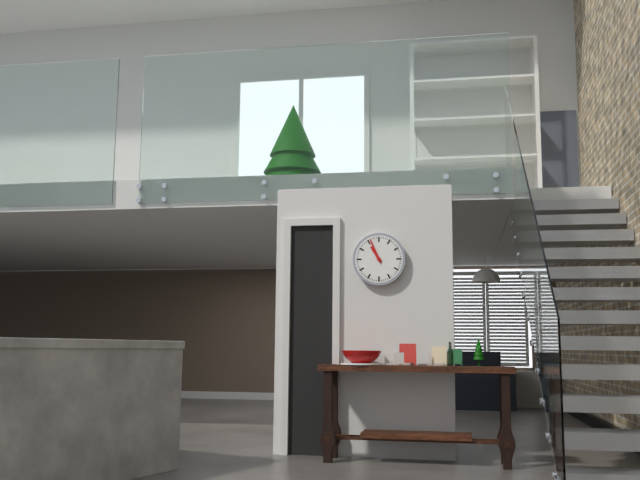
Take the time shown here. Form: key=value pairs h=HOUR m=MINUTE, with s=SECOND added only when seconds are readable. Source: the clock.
h=10 m=56
